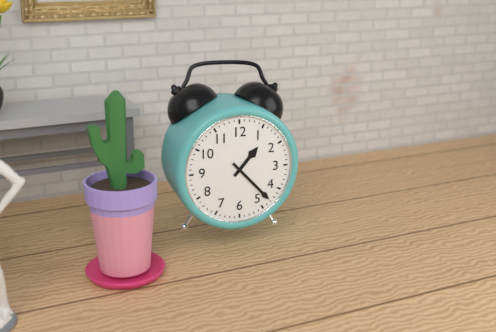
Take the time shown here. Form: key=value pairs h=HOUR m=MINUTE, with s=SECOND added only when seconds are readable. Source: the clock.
h=1 m=23
